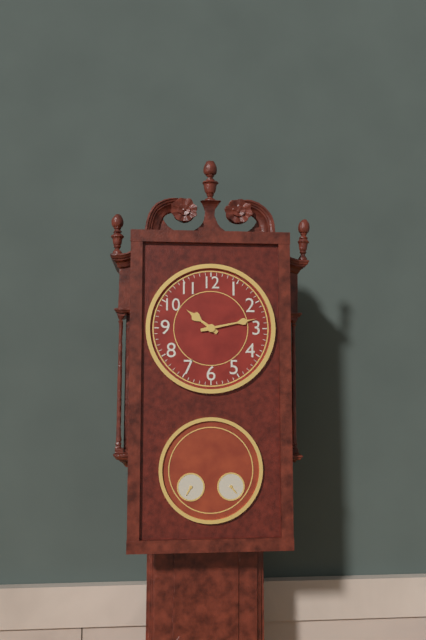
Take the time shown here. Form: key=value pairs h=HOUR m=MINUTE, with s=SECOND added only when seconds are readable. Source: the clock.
h=10 m=13
